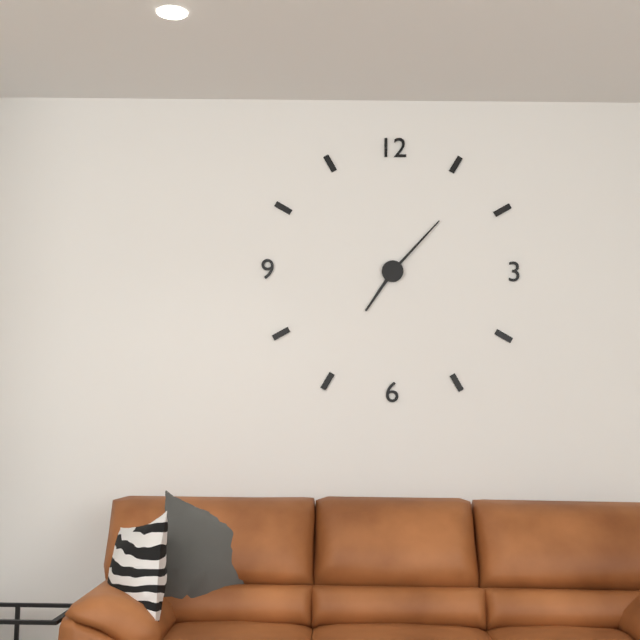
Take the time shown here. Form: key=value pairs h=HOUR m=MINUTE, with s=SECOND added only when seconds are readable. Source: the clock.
h=7 m=7
